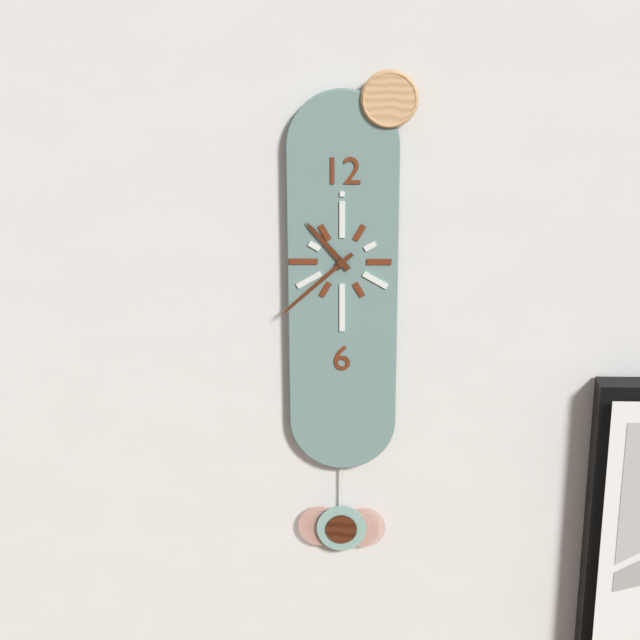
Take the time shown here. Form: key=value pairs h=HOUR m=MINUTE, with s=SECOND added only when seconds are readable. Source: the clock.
h=10 m=38
